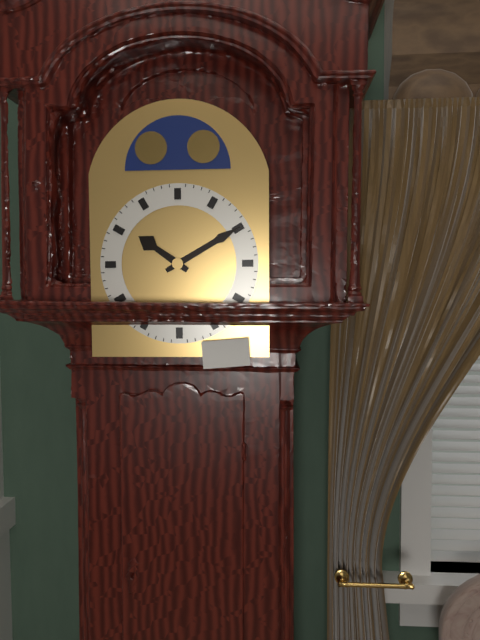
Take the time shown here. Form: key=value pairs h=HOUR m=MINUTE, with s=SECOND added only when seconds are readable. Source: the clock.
h=10 m=10
